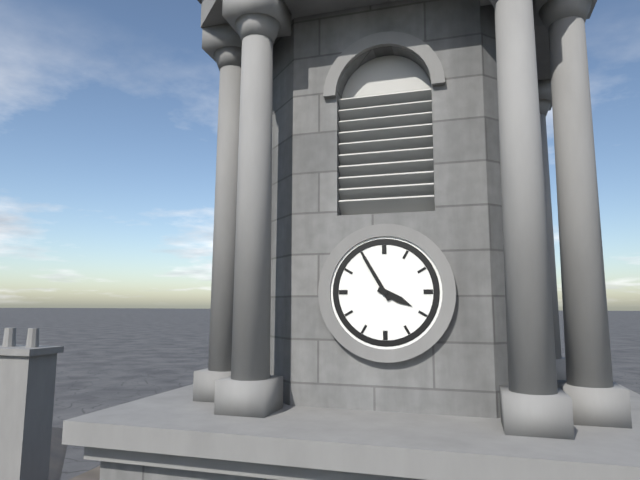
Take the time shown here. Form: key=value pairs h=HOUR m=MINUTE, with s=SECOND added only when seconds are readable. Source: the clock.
h=3 m=55
